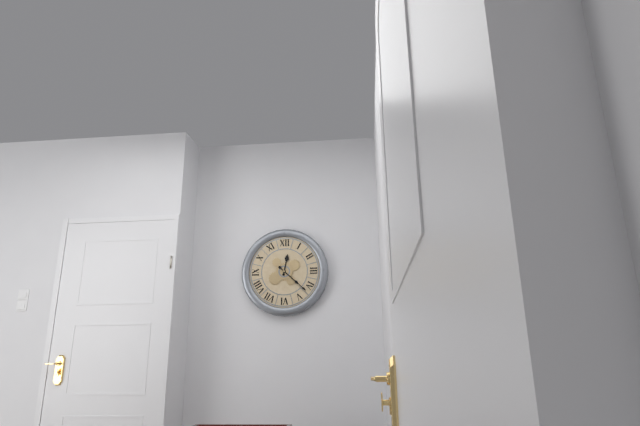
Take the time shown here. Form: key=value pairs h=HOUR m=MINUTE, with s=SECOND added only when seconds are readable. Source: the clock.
h=12 m=22
